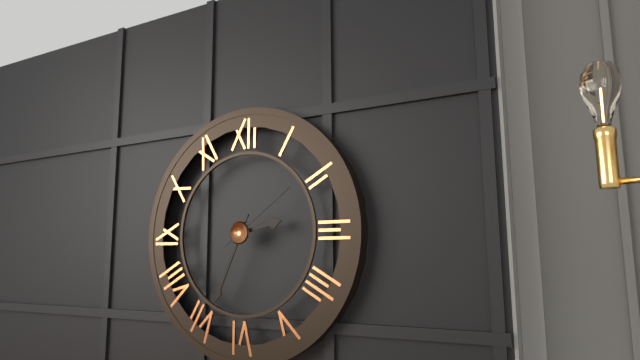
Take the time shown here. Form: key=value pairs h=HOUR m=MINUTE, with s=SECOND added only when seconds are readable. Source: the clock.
h=2 m=34 s=9
